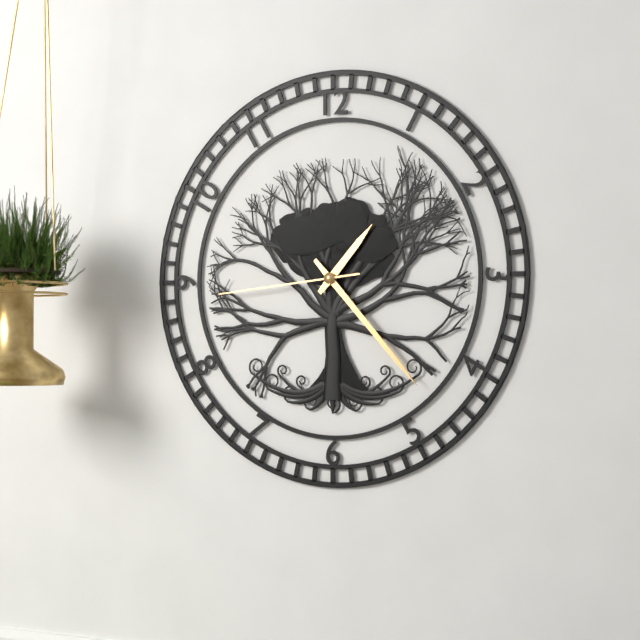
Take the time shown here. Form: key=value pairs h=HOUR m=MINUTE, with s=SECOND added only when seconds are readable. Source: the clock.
h=1 m=23 s=44
